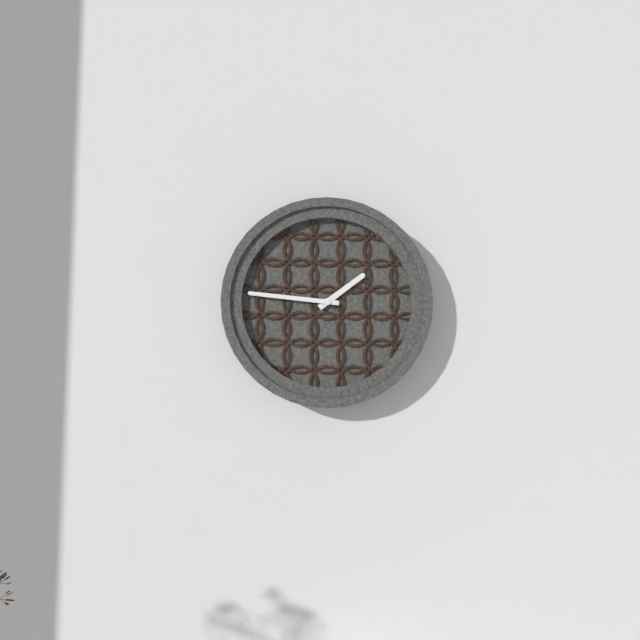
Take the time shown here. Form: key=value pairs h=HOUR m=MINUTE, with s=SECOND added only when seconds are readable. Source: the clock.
h=1 m=46
